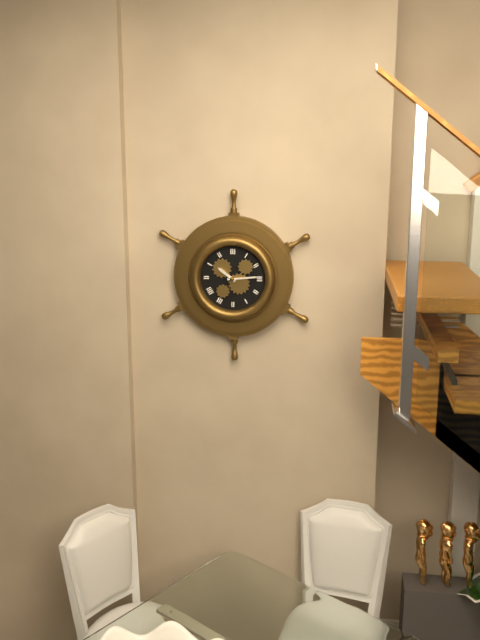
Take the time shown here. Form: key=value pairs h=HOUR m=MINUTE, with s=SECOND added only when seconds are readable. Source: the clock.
h=10 m=14
